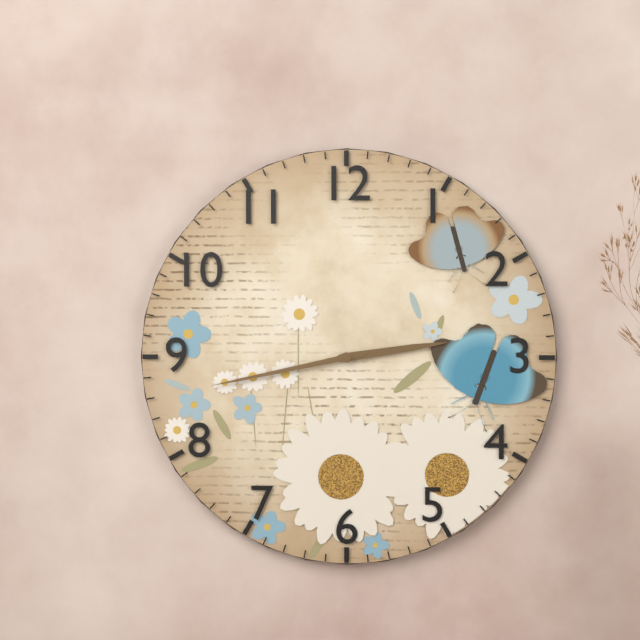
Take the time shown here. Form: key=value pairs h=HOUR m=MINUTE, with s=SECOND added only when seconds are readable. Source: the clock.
h=2 m=43
